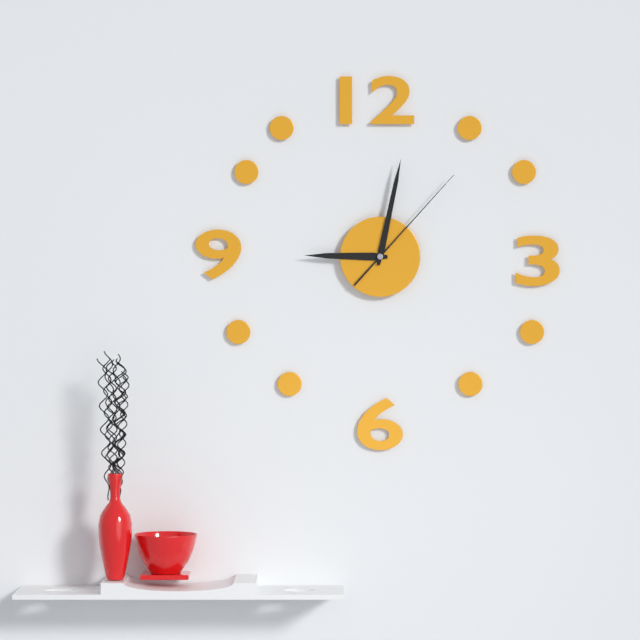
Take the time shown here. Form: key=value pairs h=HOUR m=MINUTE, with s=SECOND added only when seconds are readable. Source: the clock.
h=9 m=2 s=7
